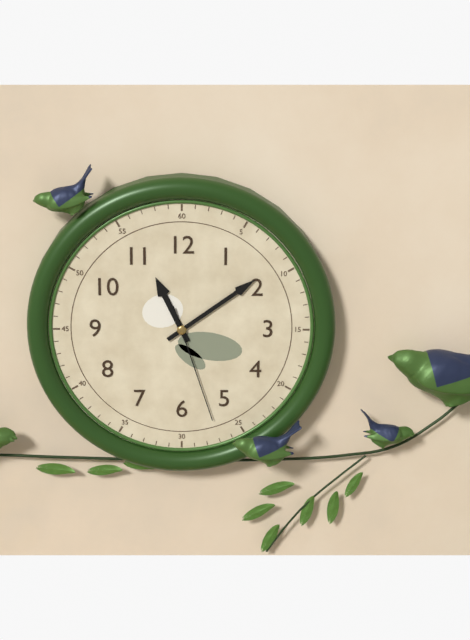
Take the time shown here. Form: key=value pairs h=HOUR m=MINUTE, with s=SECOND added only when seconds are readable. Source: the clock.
h=11 m=9 s=27
